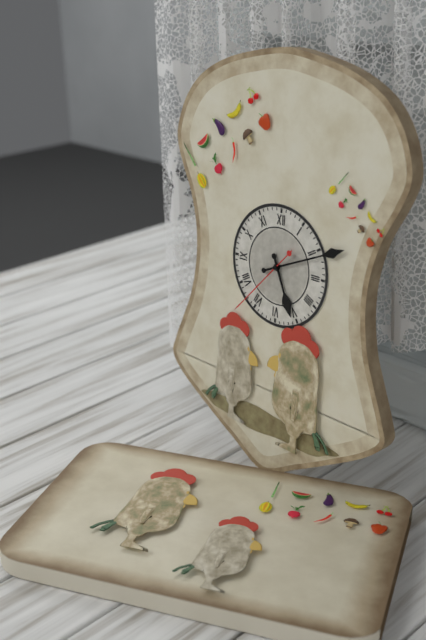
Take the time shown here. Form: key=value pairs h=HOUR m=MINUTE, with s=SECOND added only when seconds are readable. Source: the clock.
h=5 m=11 s=37
